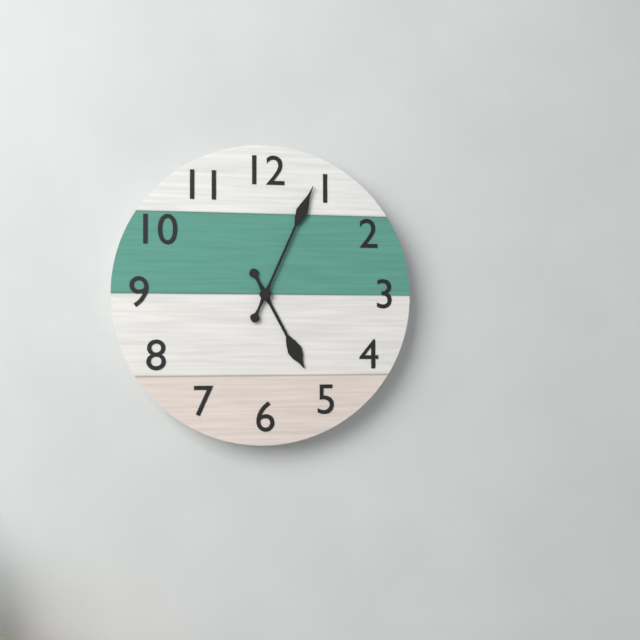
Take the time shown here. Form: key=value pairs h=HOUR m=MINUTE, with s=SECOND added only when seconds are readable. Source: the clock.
h=5 m=4
